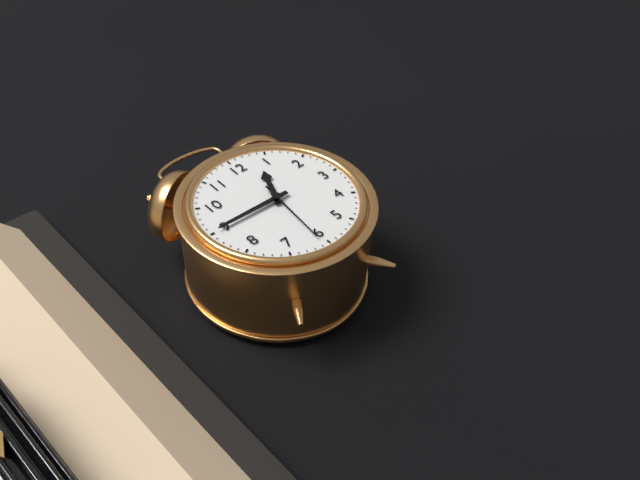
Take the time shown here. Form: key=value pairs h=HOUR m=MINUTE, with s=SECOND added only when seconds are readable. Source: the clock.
h=12 m=45 s=31
